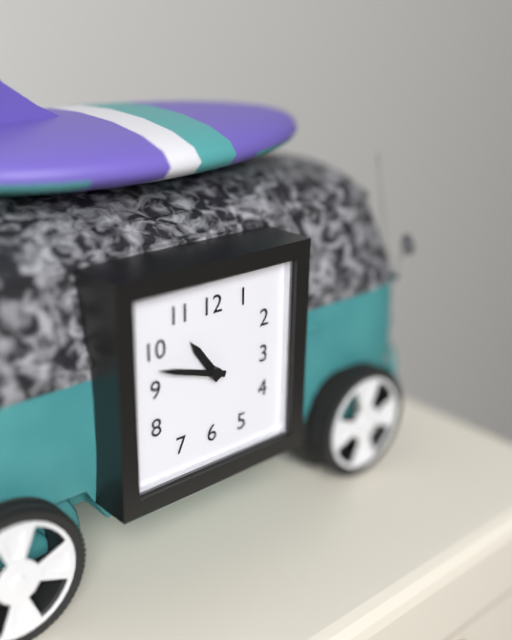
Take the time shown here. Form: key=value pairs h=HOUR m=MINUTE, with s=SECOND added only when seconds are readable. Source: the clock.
h=10 m=48
